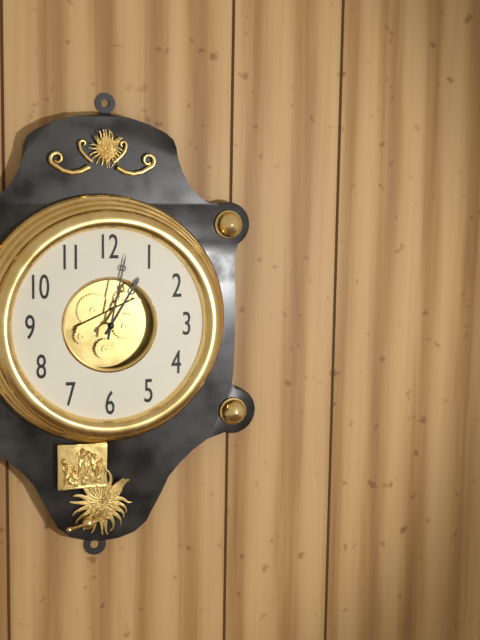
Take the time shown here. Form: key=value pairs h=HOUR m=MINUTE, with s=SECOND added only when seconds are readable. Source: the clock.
h=1 m=2
